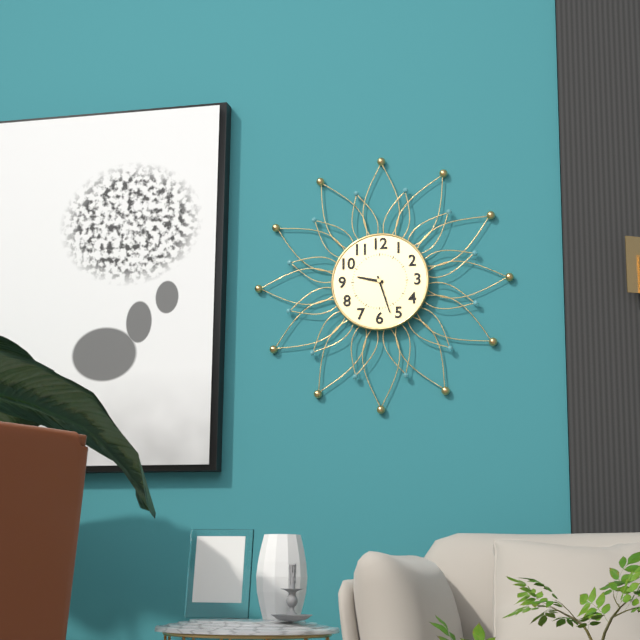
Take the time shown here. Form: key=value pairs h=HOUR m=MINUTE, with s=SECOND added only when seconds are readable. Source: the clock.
h=9 m=27
